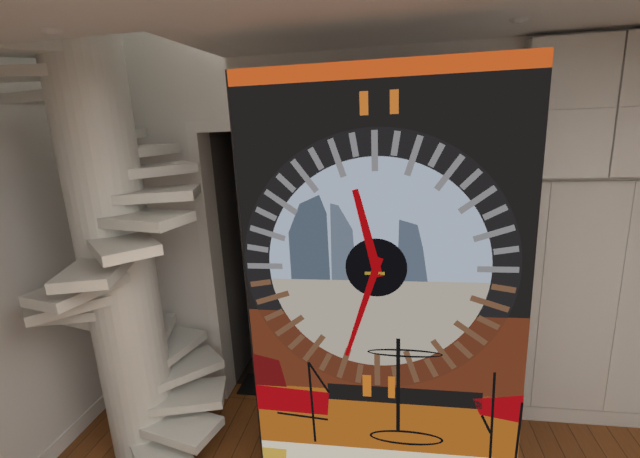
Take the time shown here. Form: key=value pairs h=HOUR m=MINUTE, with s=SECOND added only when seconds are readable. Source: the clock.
h=11 m=33
